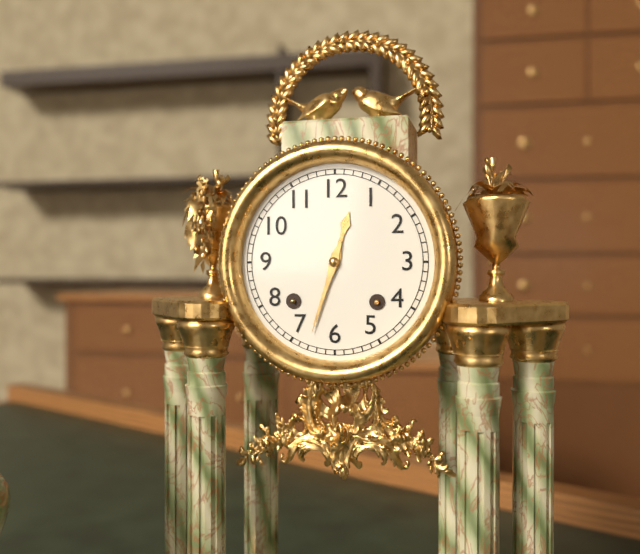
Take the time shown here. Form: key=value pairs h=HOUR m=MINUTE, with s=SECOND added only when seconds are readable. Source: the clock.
h=12 m=33
